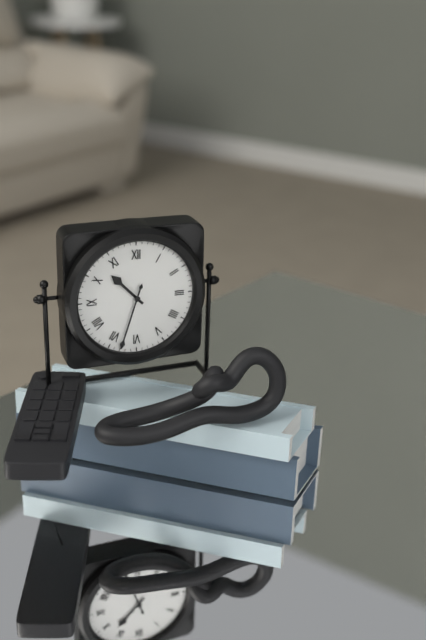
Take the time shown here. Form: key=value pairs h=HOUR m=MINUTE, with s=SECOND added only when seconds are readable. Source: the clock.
h=10 m=33
